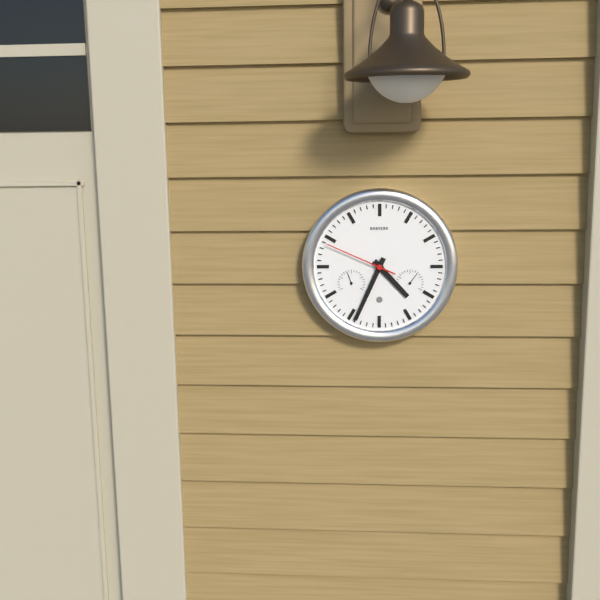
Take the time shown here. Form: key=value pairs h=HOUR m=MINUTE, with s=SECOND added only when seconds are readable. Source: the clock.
h=4 m=34 s=49
